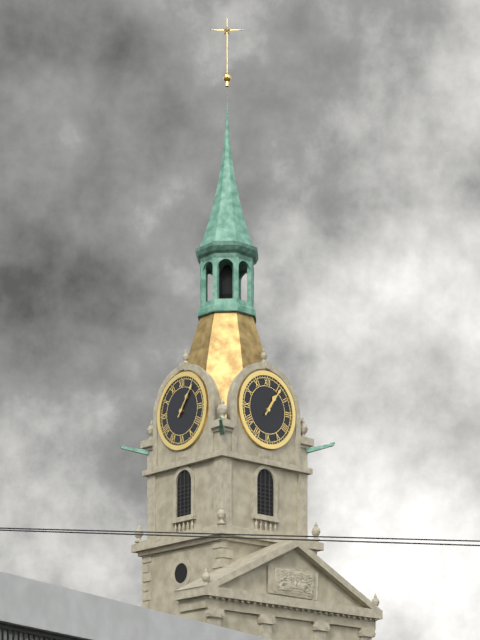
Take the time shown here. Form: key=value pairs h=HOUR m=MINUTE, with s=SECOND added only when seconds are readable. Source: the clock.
h=1 m=6
